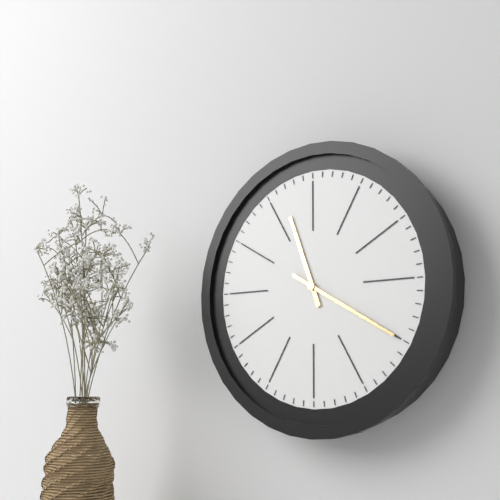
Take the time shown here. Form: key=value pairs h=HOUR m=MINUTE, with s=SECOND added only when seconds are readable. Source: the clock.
h=11 m=20
